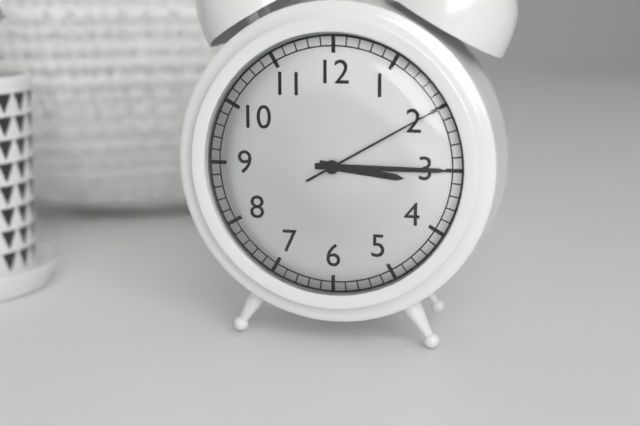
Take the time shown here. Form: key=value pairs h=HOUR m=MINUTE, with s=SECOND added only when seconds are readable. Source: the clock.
h=3 m=15 s=10
